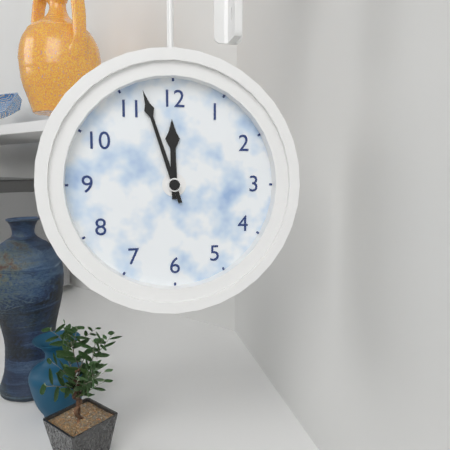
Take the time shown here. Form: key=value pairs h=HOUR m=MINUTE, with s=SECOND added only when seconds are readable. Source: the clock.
h=11 m=57
